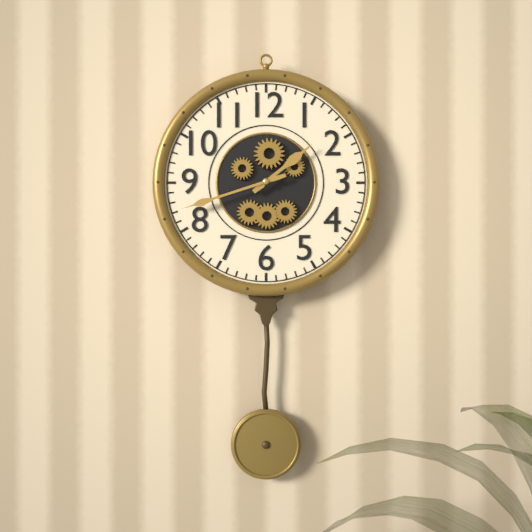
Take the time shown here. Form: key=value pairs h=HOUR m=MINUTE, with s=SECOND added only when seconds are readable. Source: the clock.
h=1 m=42
